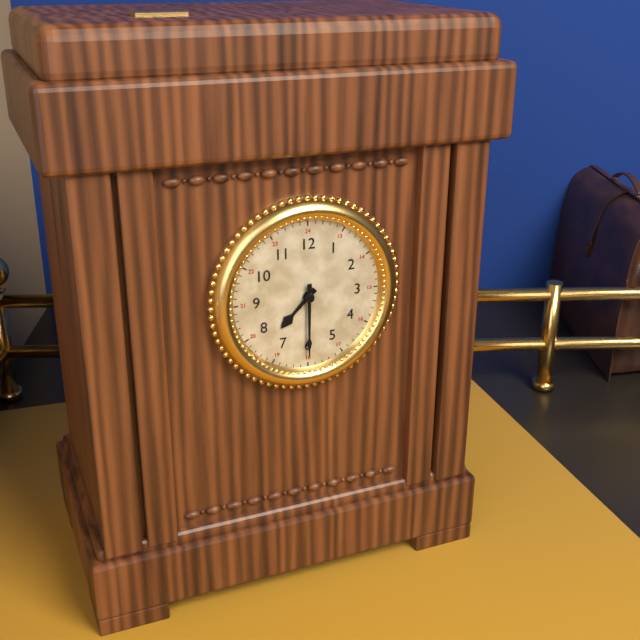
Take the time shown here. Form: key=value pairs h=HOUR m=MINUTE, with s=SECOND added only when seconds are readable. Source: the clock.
h=7 m=30
